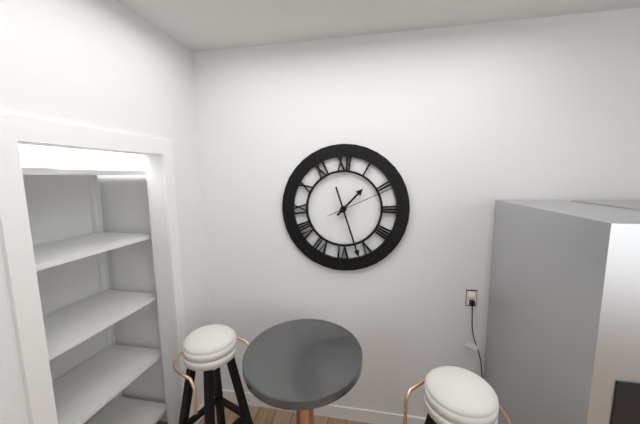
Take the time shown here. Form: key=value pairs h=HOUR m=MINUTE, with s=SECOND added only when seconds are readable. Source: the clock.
h=1 m=27 s=11
